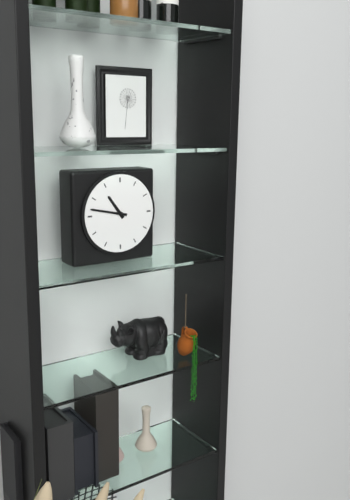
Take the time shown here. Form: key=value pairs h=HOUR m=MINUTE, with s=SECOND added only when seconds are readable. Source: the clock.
h=10 m=47
